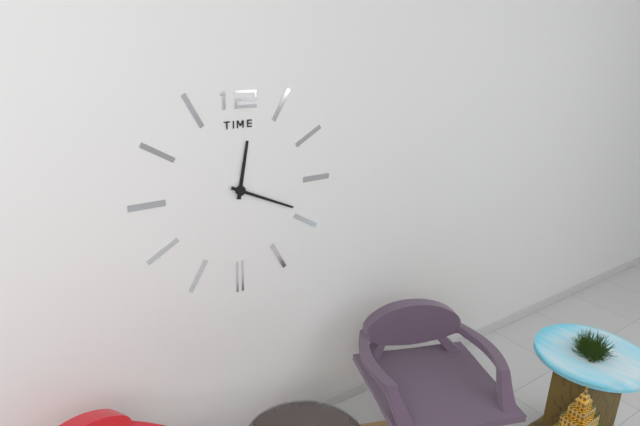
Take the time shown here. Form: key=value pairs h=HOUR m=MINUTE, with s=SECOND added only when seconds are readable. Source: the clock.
h=12 m=19
